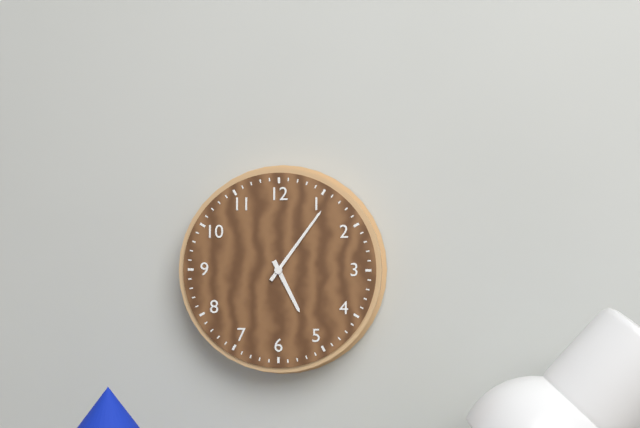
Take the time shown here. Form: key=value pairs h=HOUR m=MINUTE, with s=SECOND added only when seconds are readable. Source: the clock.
h=5 m=6
